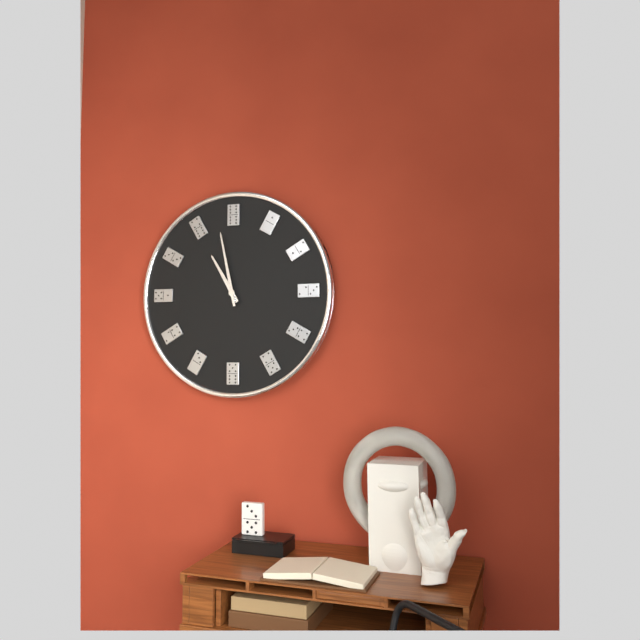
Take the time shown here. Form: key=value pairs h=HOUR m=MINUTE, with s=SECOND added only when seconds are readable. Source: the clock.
h=10 m=58
